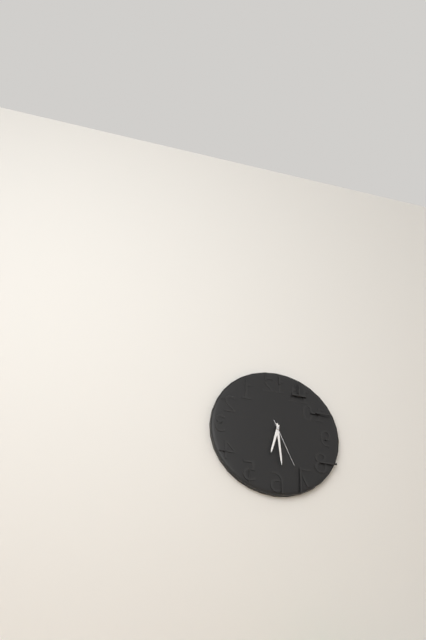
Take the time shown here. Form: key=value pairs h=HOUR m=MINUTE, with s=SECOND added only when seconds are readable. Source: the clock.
h=6 m=29
